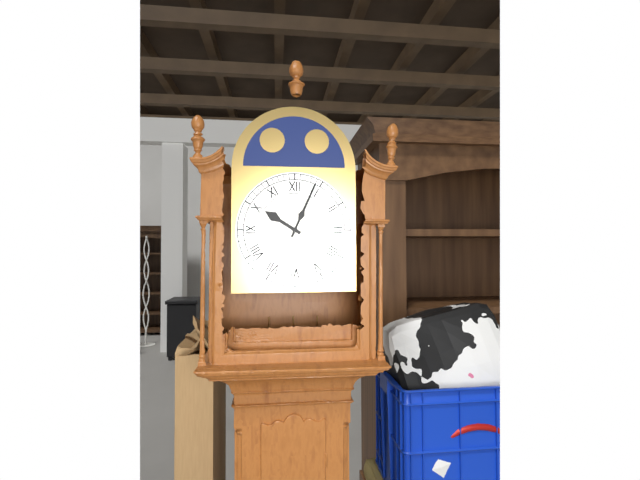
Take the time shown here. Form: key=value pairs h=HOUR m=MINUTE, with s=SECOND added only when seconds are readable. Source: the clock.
h=10 m=4
